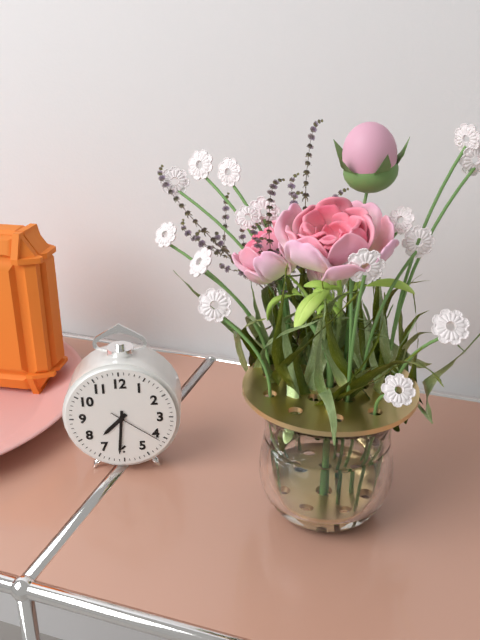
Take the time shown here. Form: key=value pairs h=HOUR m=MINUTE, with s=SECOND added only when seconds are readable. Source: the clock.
h=7 m=31 s=21
